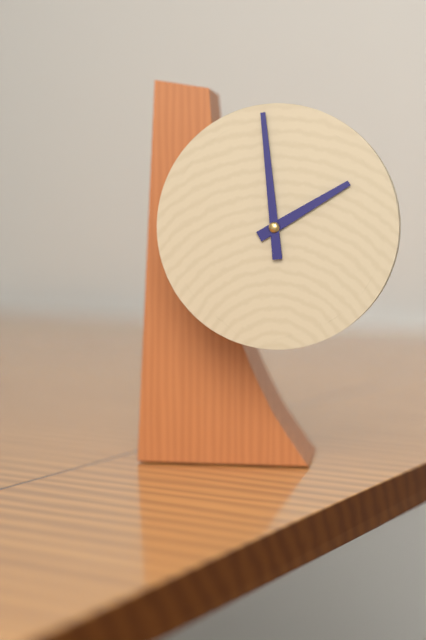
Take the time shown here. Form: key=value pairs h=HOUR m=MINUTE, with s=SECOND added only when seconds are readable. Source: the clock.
h=1 m=59
